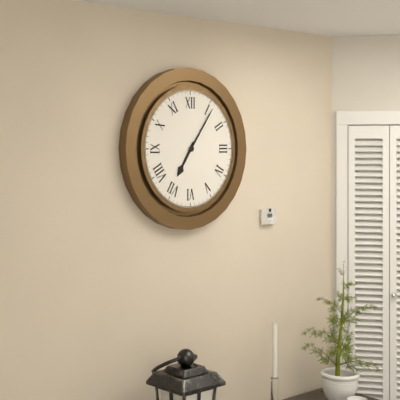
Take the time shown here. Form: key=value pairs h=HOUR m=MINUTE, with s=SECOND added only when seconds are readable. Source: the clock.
h=7 m=6
